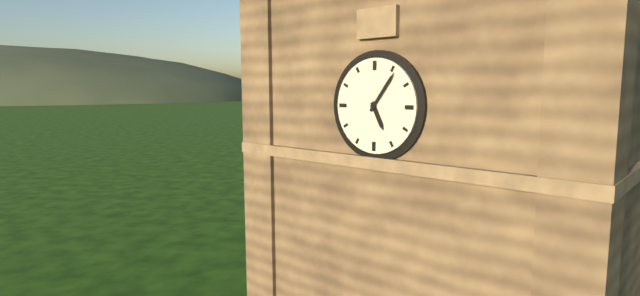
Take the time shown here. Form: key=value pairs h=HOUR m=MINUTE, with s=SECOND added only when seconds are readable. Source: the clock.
h=5 m=6
